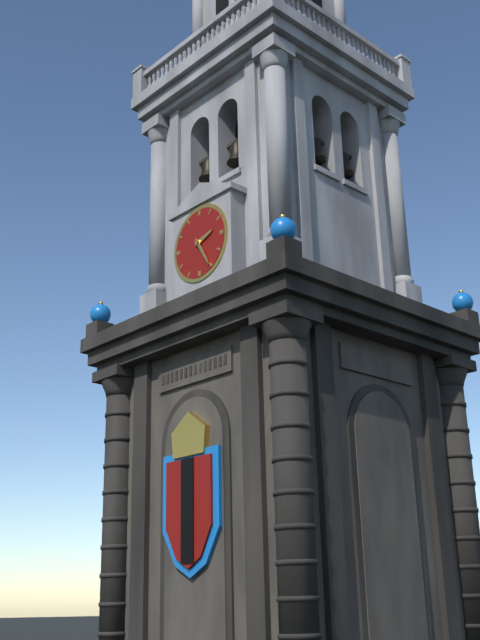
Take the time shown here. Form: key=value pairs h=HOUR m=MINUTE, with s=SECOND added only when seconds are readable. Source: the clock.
h=2 m=25
